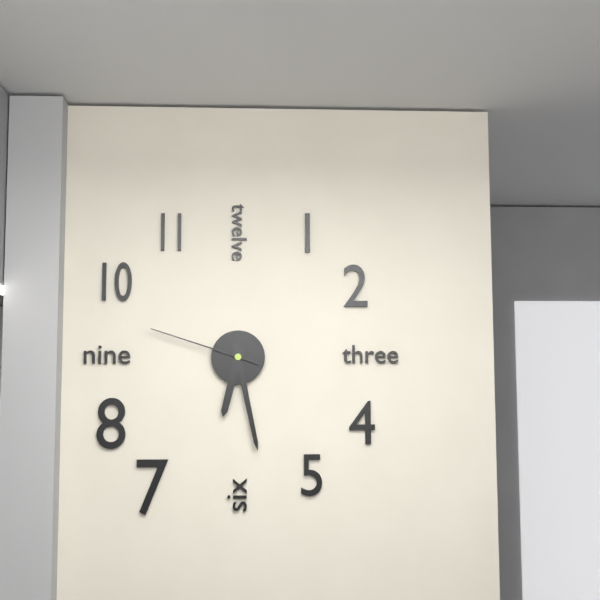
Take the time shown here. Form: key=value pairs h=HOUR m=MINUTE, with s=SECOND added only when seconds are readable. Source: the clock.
h=6 m=28 s=48
